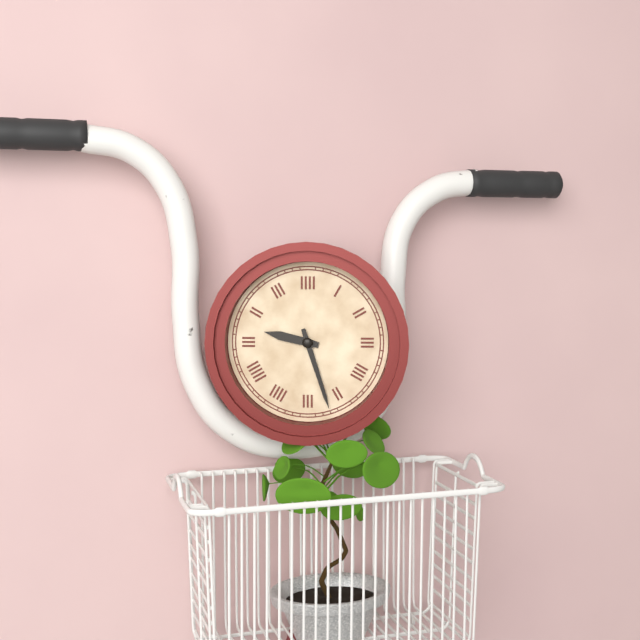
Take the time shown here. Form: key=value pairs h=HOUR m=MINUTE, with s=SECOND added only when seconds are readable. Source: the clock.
h=9 m=27
